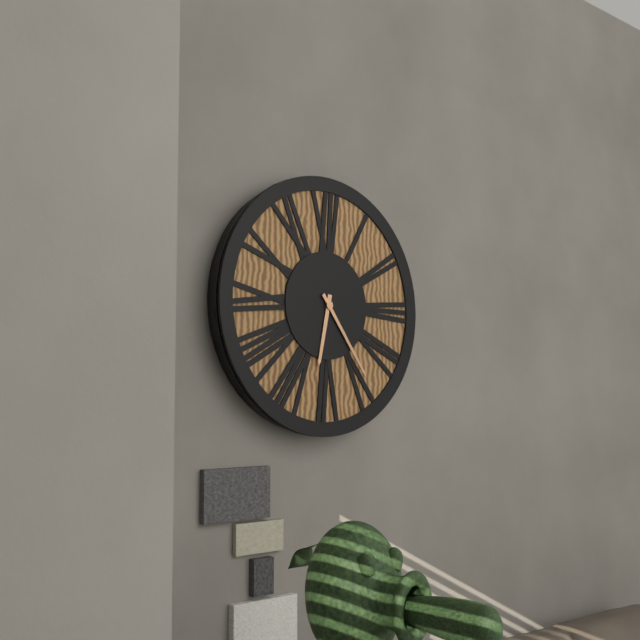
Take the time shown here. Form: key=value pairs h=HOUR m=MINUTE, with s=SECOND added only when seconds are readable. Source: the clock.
h=6 m=24
